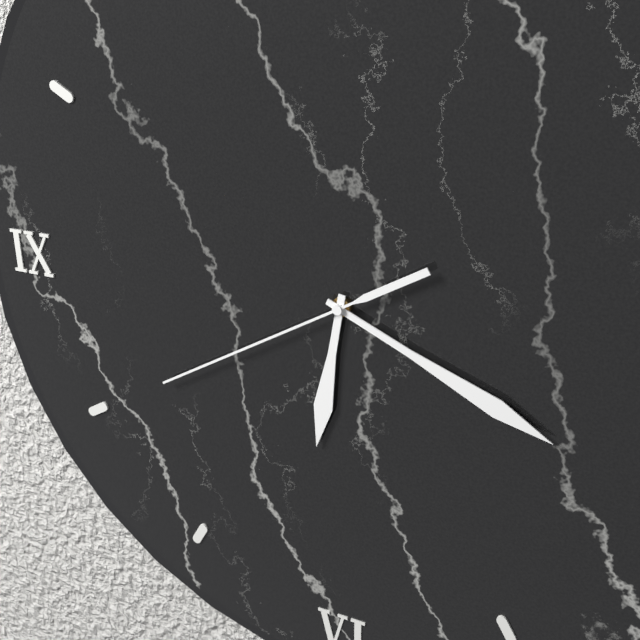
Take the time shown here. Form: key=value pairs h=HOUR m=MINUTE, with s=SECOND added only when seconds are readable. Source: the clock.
h=6 m=19 s=40
